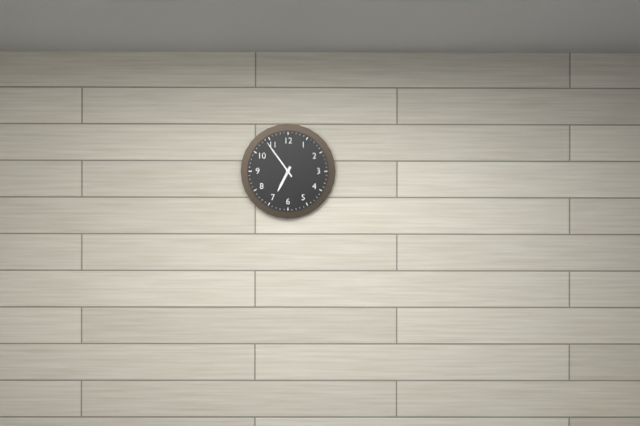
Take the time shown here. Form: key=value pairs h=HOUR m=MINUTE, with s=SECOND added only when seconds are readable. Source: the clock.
h=6 m=54
